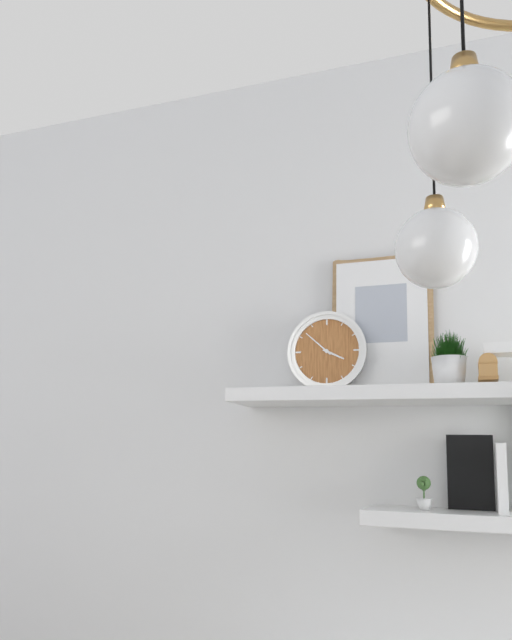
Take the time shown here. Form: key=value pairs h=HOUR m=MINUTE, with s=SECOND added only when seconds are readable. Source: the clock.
h=3 m=52
